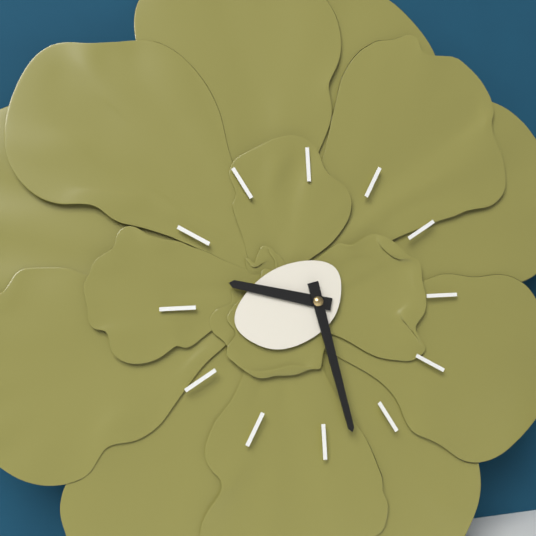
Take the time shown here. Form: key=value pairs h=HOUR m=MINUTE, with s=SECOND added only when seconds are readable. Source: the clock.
h=9 m=28
